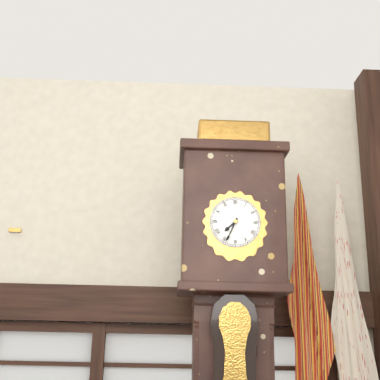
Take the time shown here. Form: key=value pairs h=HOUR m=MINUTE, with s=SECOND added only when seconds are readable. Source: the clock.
h=7 m=34
